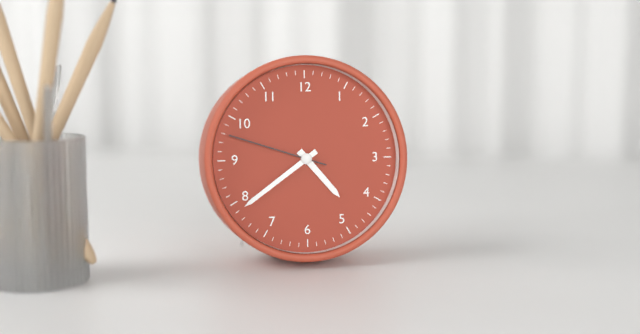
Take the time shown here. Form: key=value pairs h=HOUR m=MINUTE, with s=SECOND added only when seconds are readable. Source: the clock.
h=4 m=39 s=48
